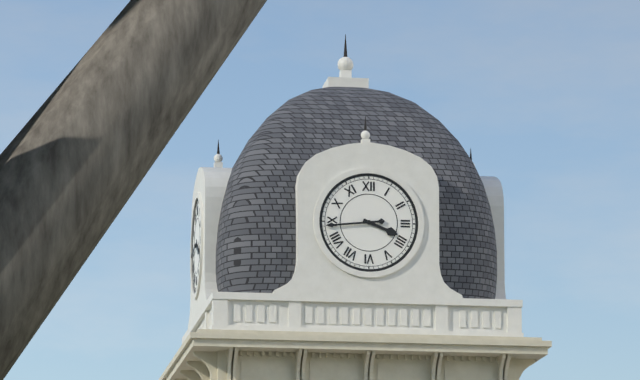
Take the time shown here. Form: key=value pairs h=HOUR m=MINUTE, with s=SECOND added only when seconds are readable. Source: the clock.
h=3 m=44
